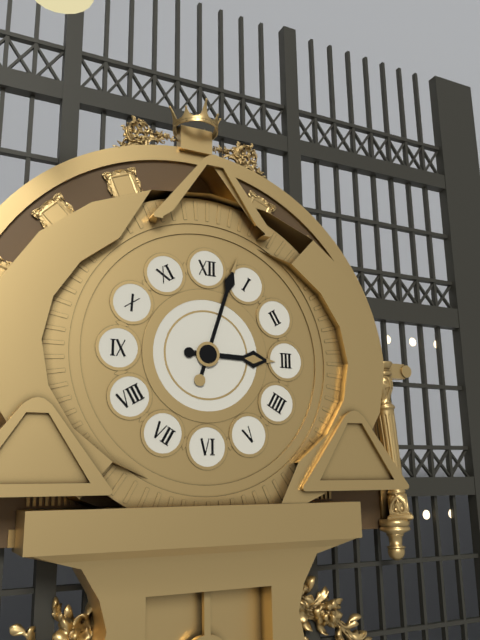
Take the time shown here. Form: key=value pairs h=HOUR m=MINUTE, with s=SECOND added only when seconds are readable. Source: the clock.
h=3 m=3
